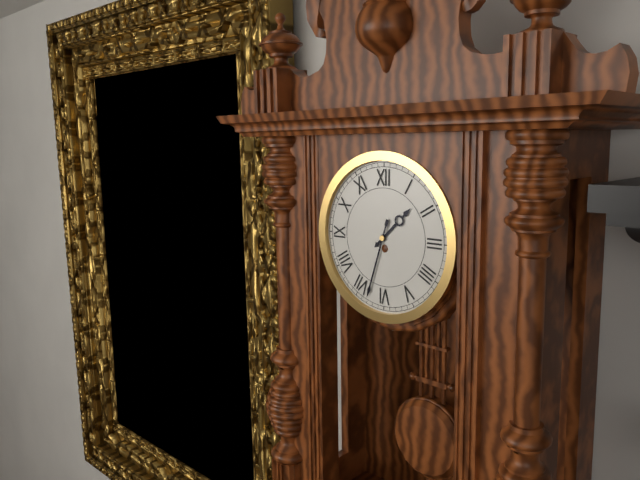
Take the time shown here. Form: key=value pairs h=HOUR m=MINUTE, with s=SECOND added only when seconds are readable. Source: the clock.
h=1 m=33
